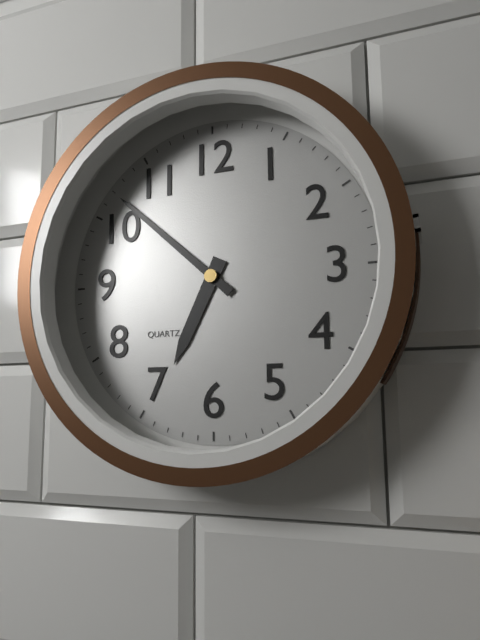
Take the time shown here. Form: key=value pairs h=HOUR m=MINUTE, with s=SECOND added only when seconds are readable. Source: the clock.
h=6 m=52
